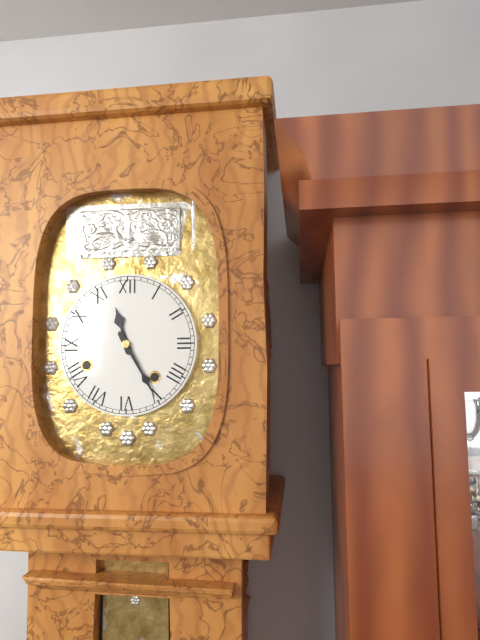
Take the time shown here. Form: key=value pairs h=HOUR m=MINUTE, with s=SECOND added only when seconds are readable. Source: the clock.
h=11 m=25
